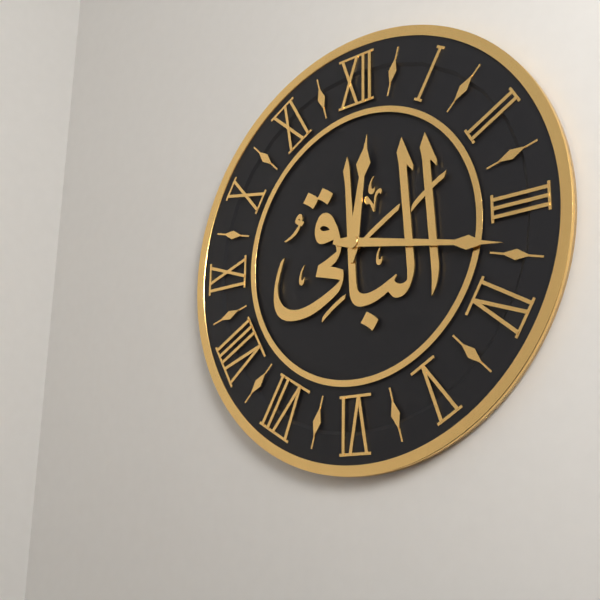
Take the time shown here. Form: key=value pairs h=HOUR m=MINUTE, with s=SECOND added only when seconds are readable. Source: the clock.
h=12 m=17
